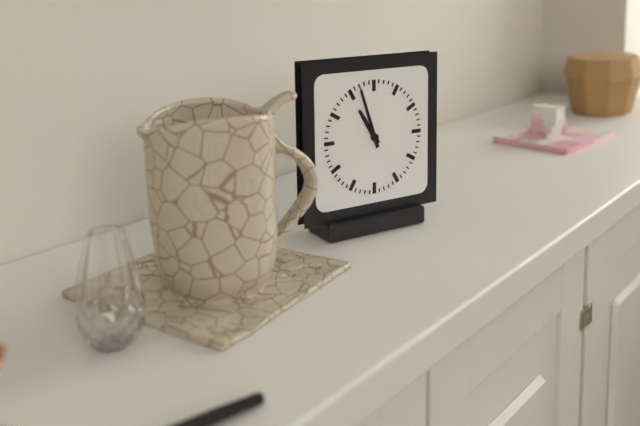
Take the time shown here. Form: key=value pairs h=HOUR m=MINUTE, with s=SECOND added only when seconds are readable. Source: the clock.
h=10 m=57
